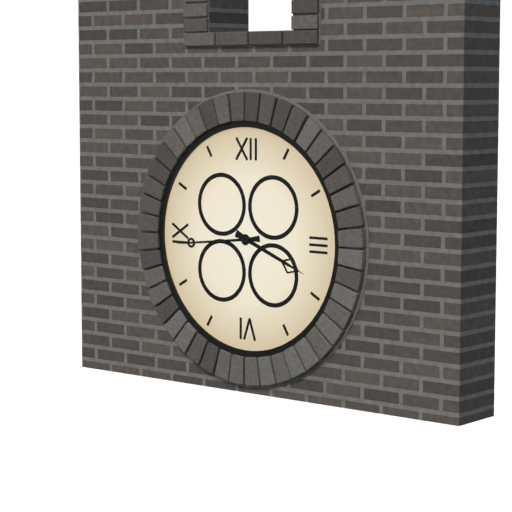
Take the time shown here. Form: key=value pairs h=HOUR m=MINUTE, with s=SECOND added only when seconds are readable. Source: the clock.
h=3 m=44
